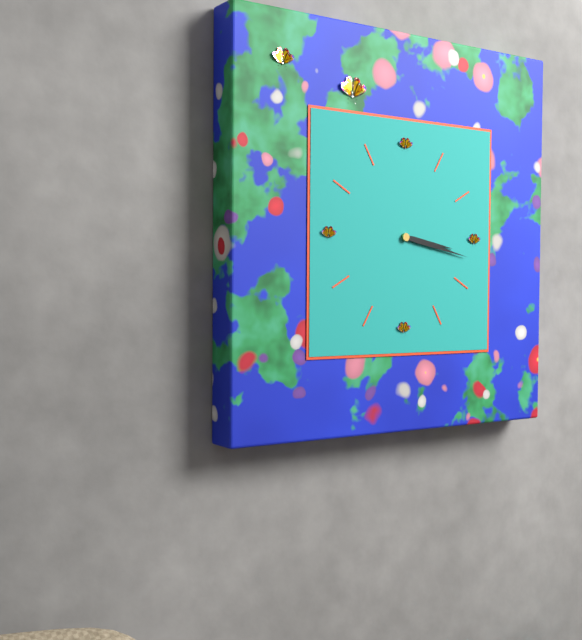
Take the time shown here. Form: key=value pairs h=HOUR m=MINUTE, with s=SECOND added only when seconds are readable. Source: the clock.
h=3 m=17
